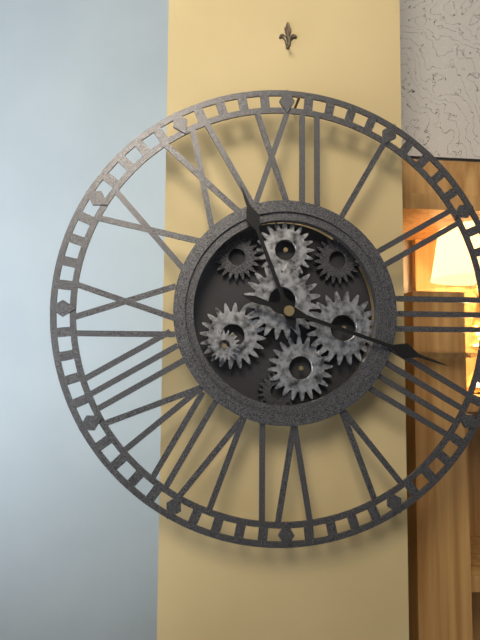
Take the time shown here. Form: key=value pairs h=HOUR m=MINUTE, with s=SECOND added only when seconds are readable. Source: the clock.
h=11 m=18
